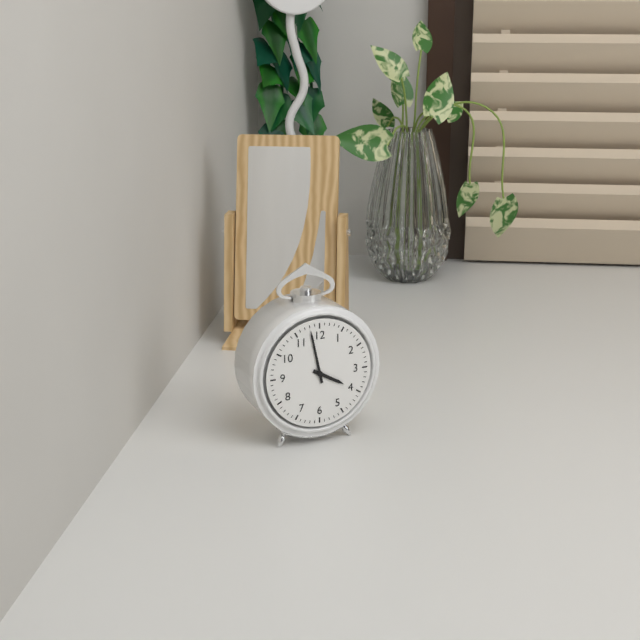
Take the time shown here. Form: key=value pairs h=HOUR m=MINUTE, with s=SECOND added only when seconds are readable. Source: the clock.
h=3 m=58
